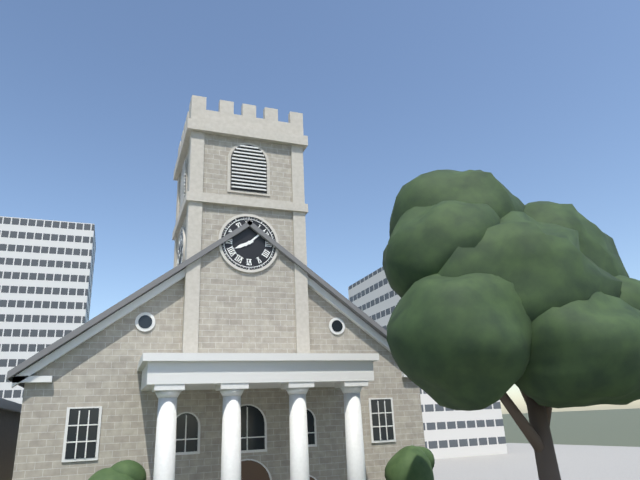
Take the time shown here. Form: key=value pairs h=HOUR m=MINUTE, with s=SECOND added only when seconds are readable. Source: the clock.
h=8 m=8
